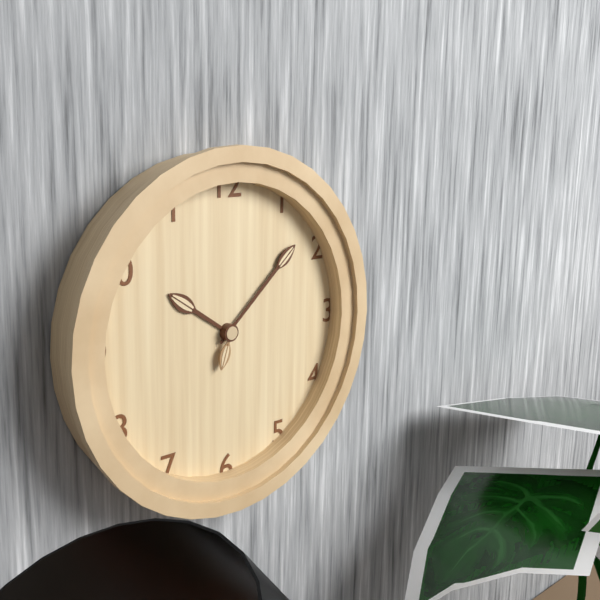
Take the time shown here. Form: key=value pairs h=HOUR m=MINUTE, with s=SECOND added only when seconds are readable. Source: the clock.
h=10 m=8
